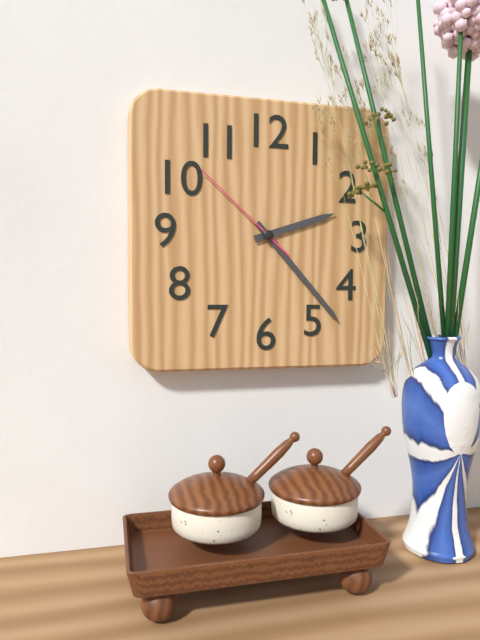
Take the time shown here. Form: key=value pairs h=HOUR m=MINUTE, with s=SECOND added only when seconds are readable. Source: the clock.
h=2 m=23 s=52
